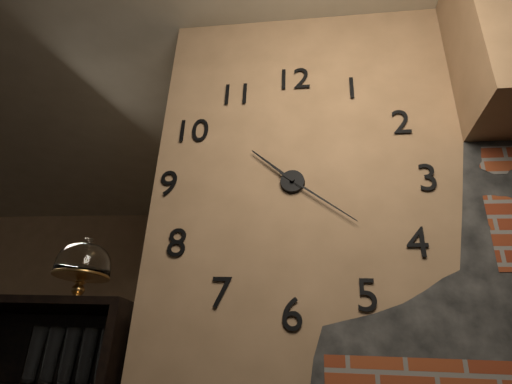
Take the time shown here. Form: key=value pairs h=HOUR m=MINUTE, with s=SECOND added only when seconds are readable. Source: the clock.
h=10 m=21
